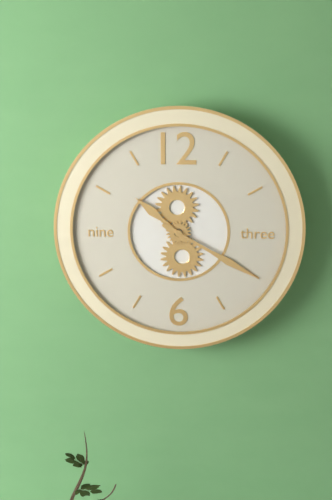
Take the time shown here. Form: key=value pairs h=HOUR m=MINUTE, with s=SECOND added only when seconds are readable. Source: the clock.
h=10 m=20
